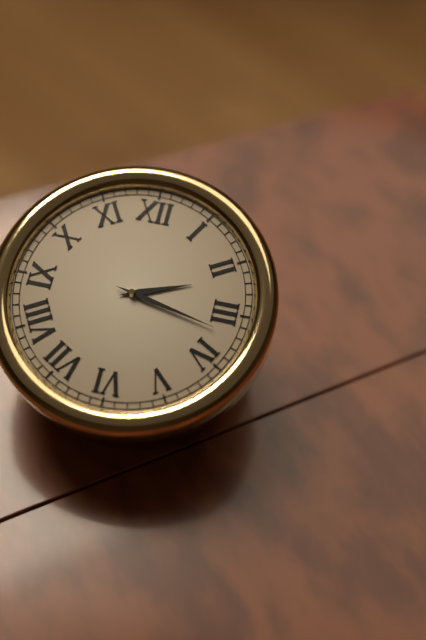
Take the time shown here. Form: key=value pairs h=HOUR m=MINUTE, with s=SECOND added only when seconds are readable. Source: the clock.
h=2 m=17
